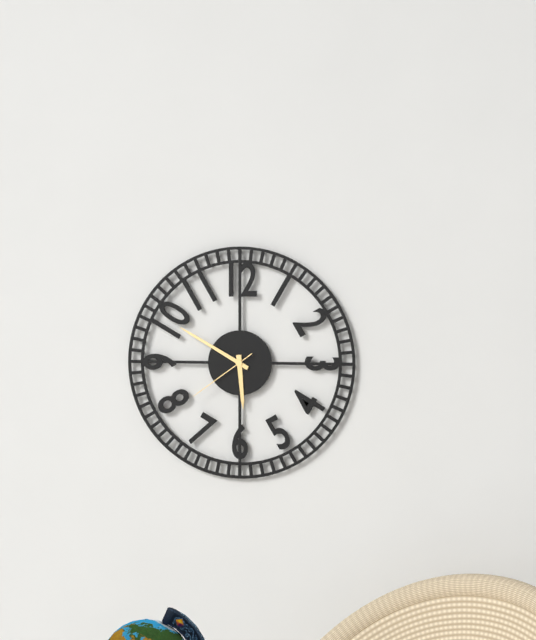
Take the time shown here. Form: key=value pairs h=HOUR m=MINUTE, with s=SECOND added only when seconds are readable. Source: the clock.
h=5 m=50 s=39
